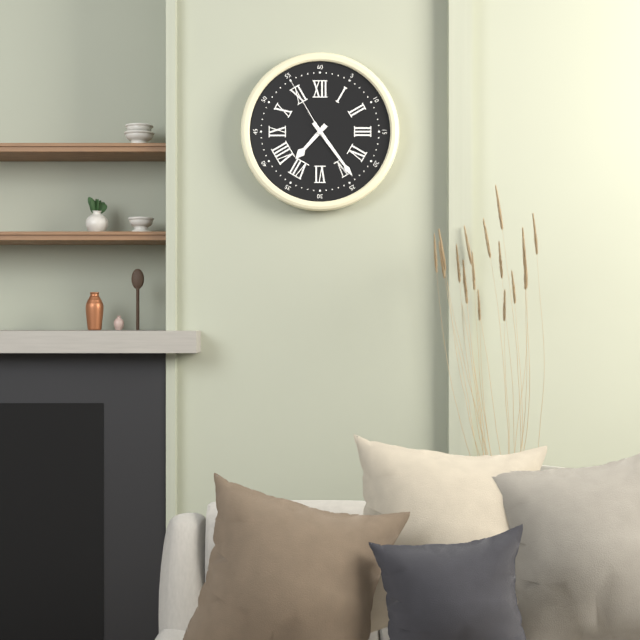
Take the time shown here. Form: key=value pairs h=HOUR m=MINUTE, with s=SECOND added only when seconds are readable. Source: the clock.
h=7 m=24 s=55
